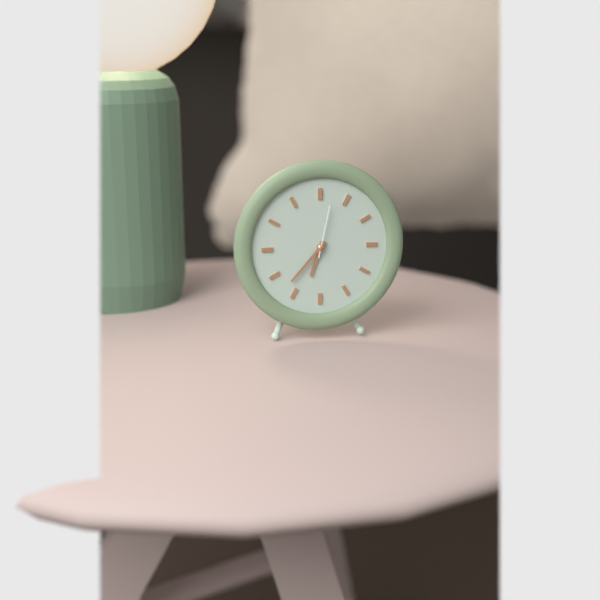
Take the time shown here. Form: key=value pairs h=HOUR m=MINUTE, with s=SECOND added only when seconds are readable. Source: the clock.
h=6 m=37 s=2
